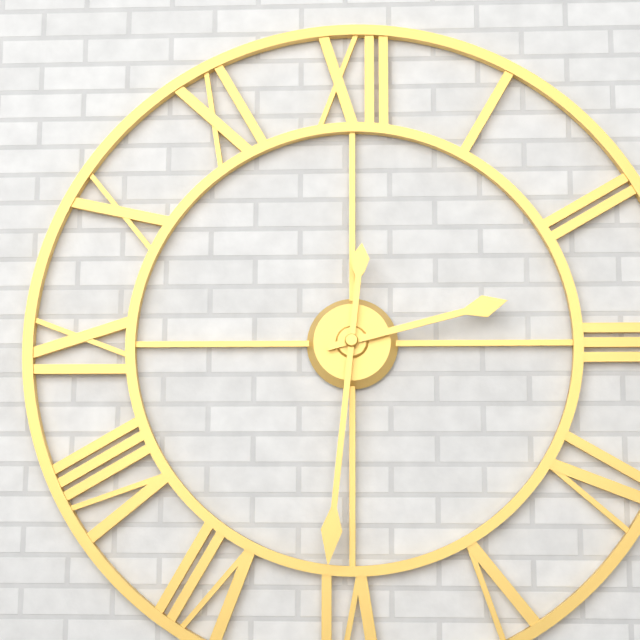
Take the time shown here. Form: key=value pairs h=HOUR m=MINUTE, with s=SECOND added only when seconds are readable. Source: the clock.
h=2 m=31
